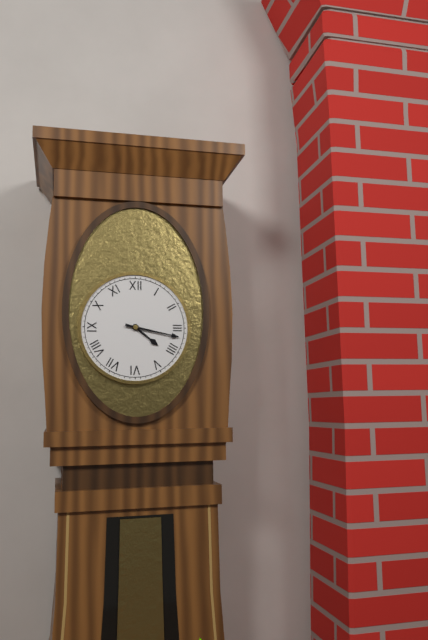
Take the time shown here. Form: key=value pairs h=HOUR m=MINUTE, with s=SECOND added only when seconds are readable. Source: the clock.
h=4 m=17
